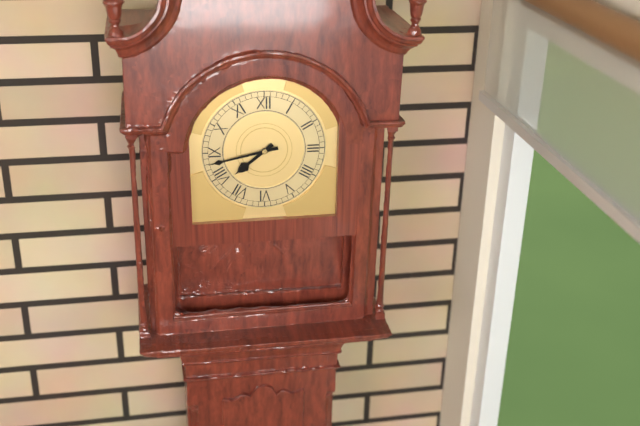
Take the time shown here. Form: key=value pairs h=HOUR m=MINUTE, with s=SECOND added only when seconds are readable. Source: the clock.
h=7 m=43
